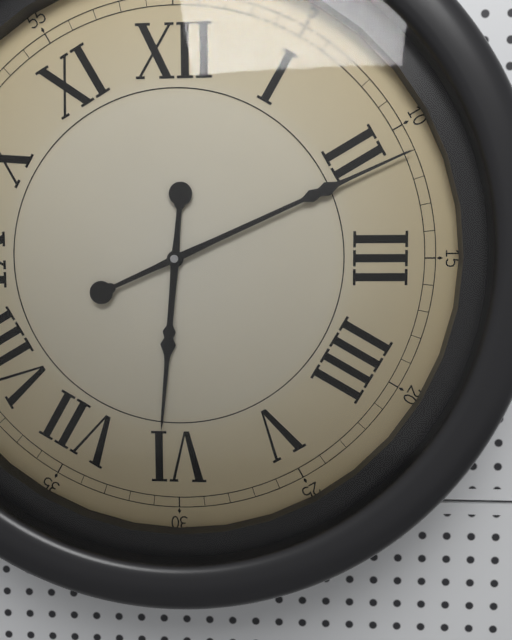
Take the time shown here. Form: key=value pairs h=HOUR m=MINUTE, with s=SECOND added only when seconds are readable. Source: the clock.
h=6 m=11
